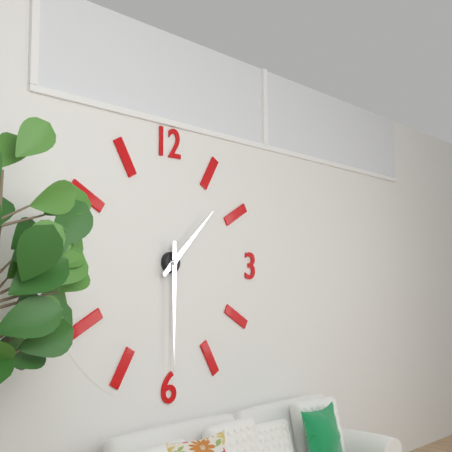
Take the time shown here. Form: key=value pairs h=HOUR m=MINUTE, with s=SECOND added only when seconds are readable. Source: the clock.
h=1 m=30
